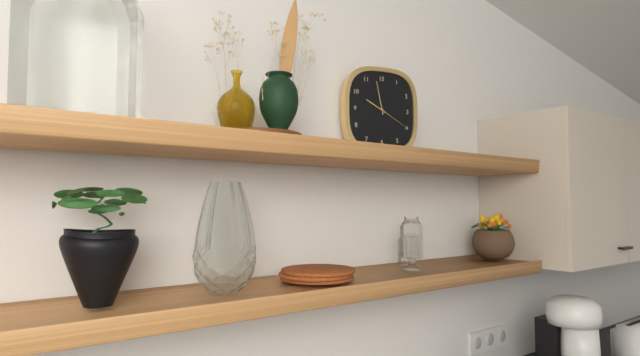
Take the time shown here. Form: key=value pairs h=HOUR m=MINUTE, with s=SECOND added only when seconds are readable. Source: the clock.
h=9 m=58
